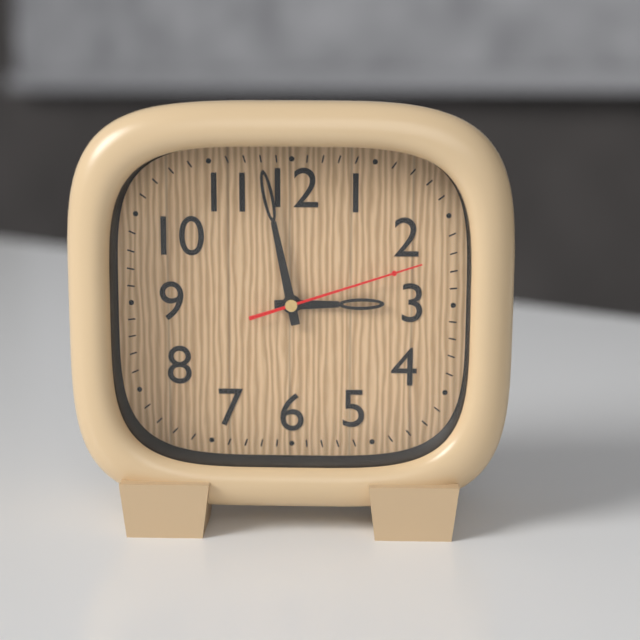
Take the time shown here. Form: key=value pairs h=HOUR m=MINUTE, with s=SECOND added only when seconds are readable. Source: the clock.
h=2 m=58 s=12
